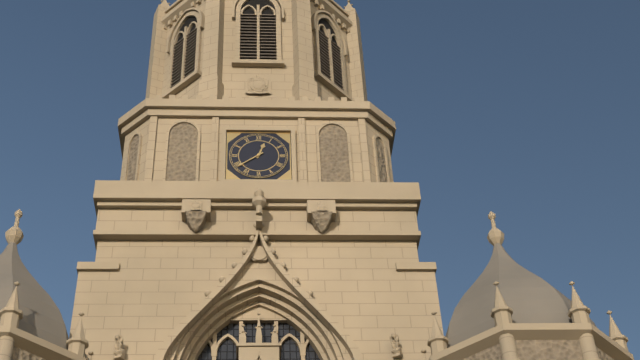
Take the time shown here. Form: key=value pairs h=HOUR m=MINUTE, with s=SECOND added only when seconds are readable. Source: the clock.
h=12 m=39
